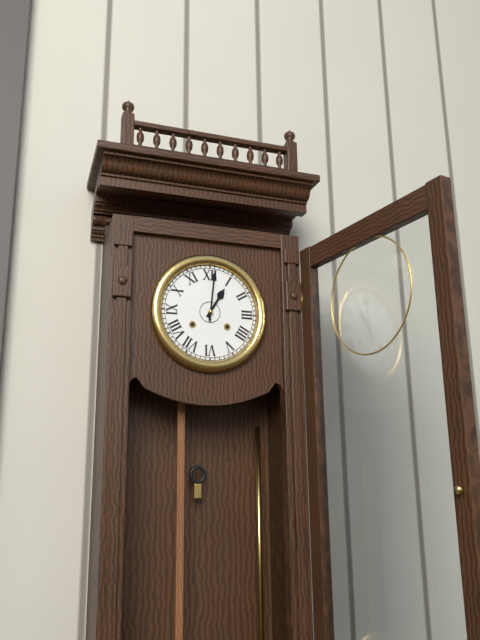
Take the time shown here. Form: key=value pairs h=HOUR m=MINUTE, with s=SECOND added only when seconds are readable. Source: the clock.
h=1 m=1
